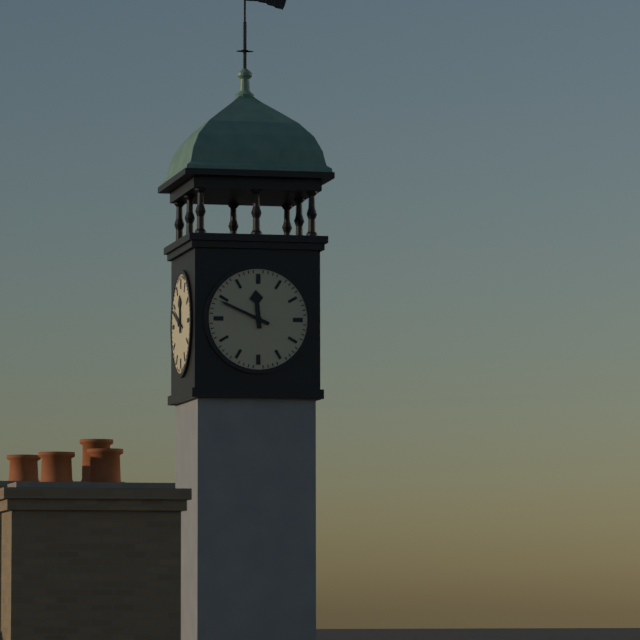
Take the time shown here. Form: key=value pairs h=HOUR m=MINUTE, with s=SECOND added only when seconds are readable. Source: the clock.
h=11 m=49
